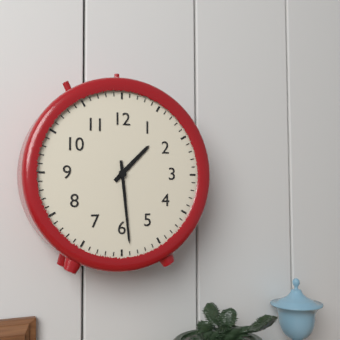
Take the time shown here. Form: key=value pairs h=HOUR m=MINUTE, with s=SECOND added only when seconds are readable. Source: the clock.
h=1 m=29
